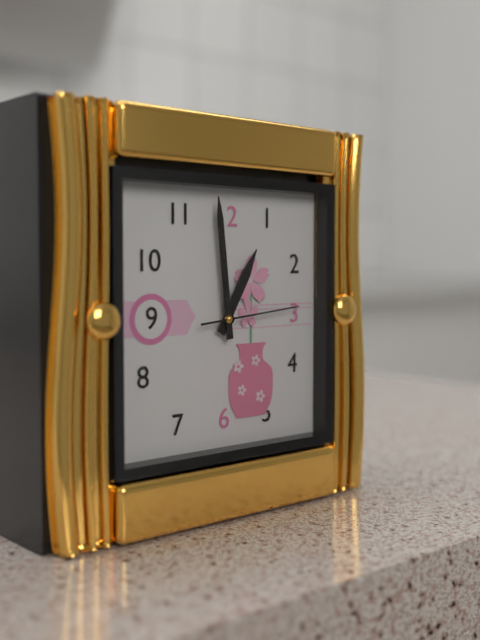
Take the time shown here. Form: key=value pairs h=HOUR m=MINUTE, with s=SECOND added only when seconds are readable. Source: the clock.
h=12 m=59 s=14
